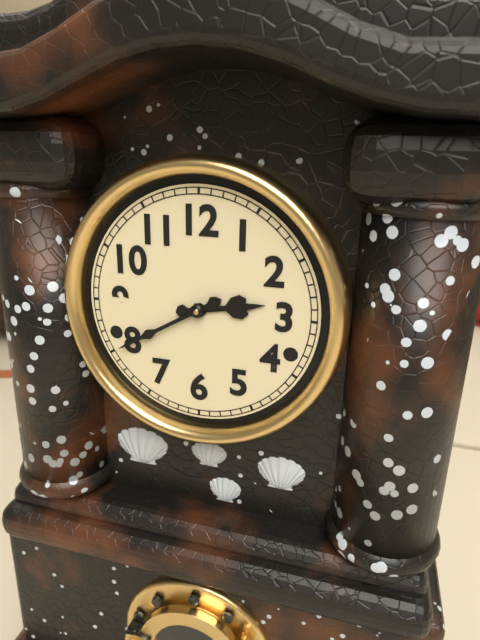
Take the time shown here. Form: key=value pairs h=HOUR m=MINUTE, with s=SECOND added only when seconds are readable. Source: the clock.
h=2 m=40
